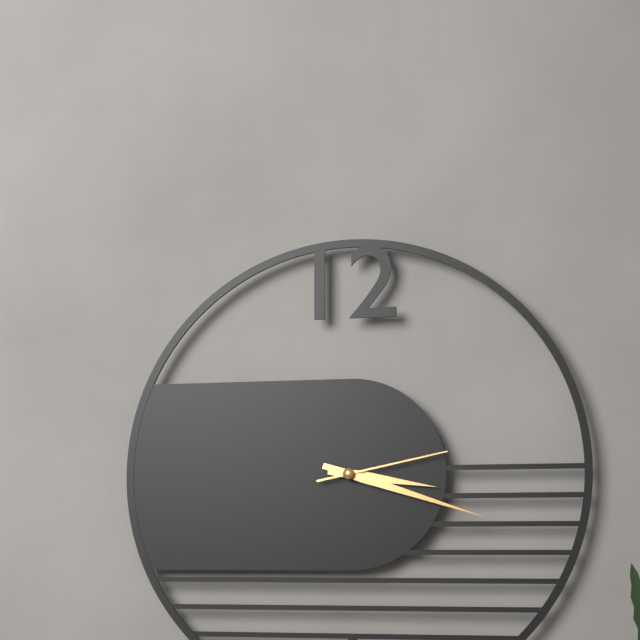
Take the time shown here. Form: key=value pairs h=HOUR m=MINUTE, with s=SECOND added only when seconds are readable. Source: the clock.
h=3 m=18 s=13
